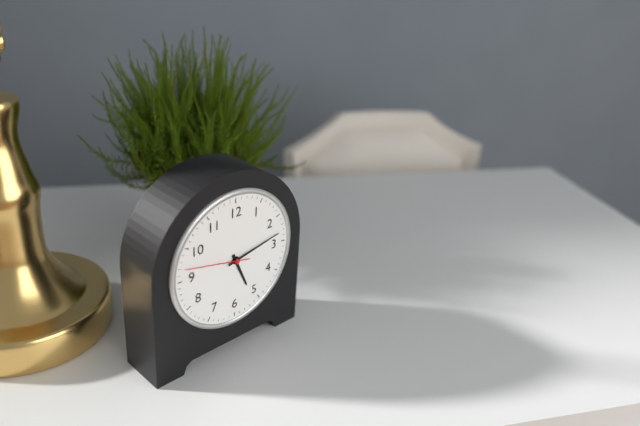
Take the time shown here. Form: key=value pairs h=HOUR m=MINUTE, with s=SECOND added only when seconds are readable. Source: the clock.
h=5 m=13 s=47
